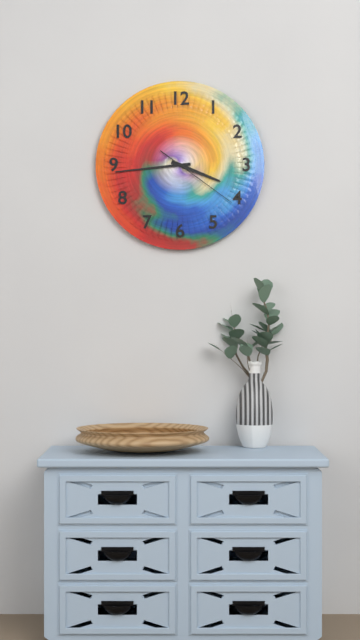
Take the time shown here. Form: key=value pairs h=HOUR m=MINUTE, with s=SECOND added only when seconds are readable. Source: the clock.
h=3 m=44 s=21
